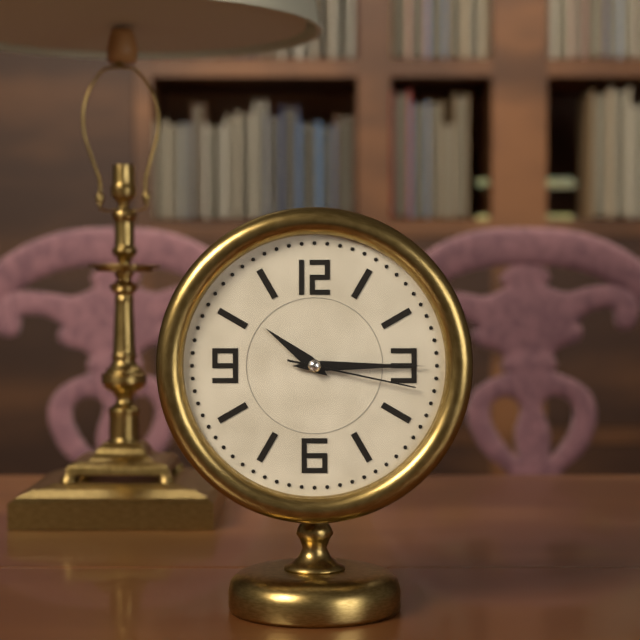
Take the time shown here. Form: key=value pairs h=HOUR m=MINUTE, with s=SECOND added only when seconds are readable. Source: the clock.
h=10 m=15 s=17
